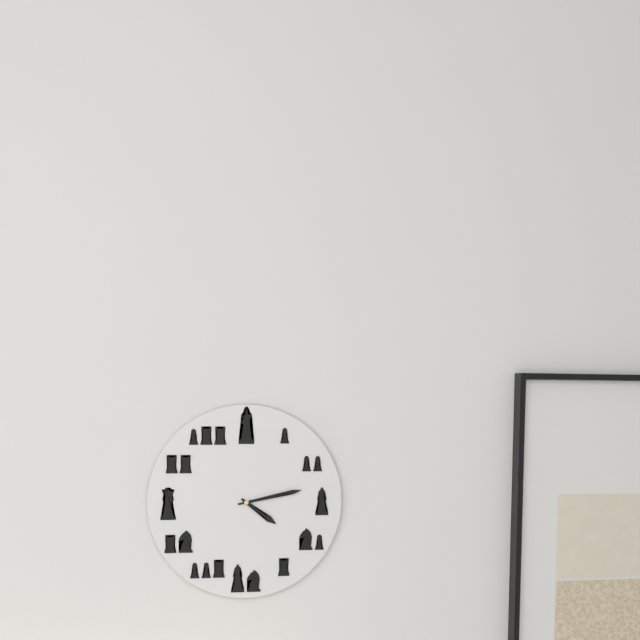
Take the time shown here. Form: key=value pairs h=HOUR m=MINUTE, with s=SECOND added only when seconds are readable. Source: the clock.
h=4 m=13
